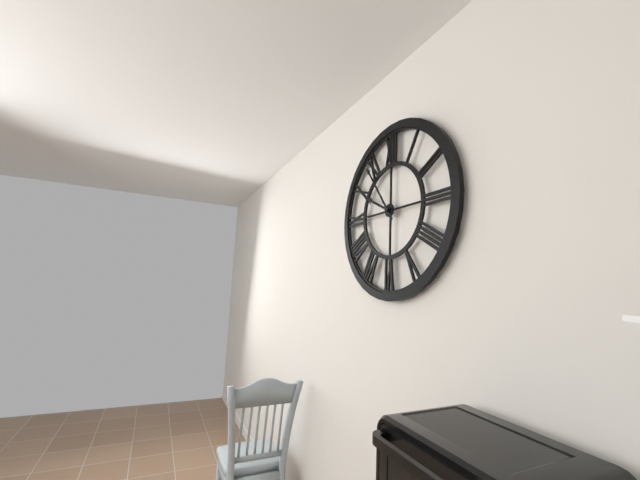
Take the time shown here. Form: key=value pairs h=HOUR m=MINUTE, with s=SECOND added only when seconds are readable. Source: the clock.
h=9 m=54
